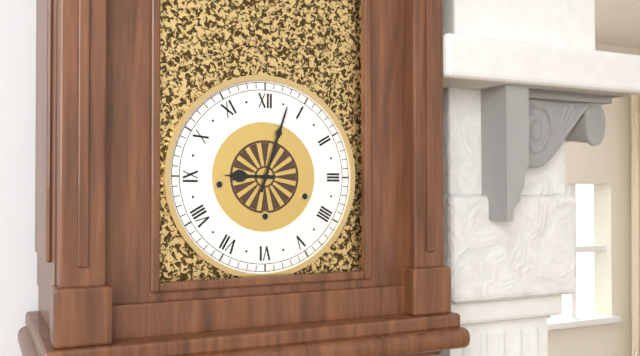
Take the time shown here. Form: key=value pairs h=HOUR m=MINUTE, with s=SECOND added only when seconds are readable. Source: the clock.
h=9 m=3
